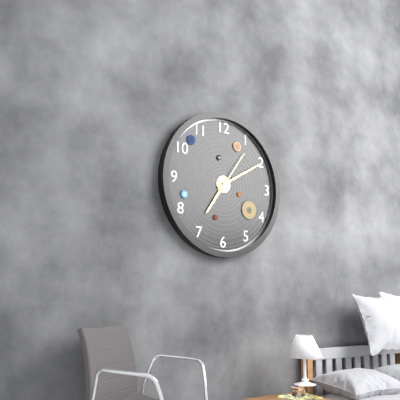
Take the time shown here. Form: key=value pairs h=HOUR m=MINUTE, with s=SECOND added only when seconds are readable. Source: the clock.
h=7 m=10
